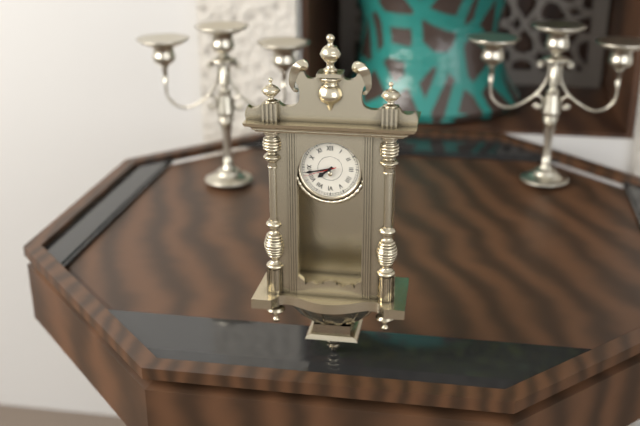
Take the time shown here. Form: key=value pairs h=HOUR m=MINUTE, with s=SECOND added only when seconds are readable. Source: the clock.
h=7 m=43
